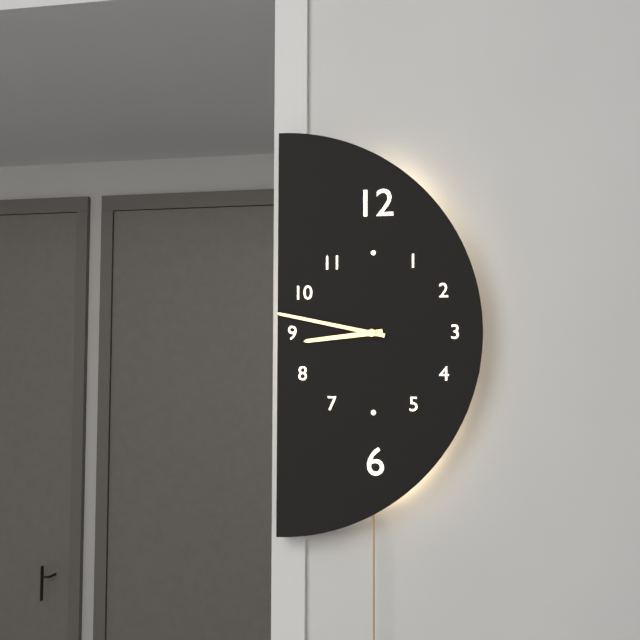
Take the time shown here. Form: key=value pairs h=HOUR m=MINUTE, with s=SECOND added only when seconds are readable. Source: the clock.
h=8 m=47
